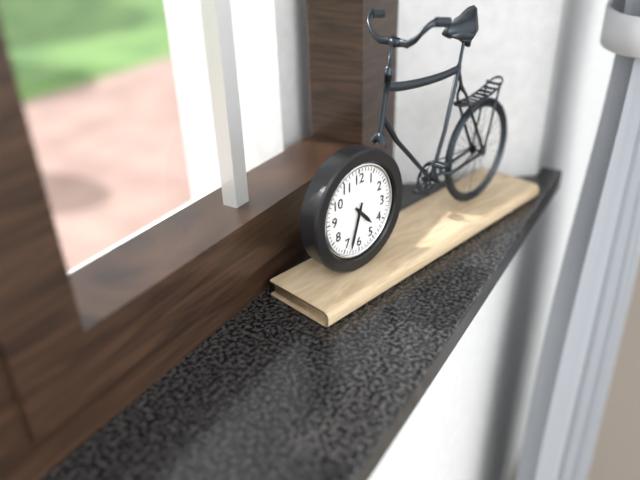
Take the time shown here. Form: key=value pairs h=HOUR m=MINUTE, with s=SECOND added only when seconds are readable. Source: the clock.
h=4 m=33
